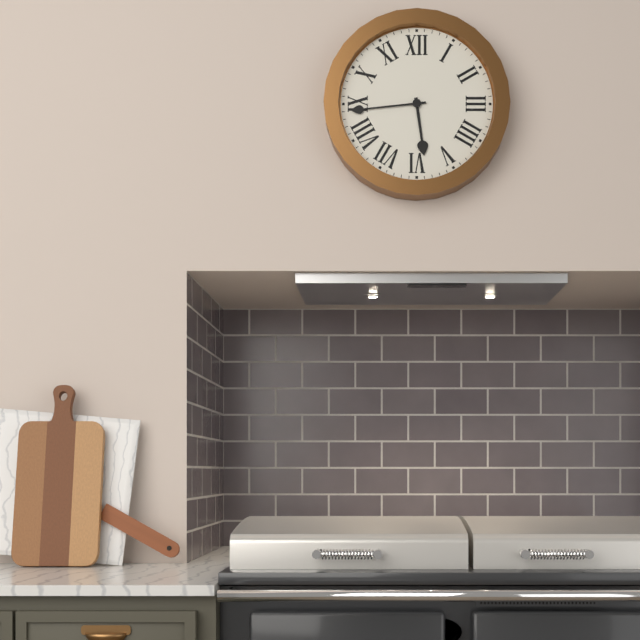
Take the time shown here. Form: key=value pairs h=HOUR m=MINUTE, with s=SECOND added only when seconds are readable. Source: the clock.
h=5 m=44
